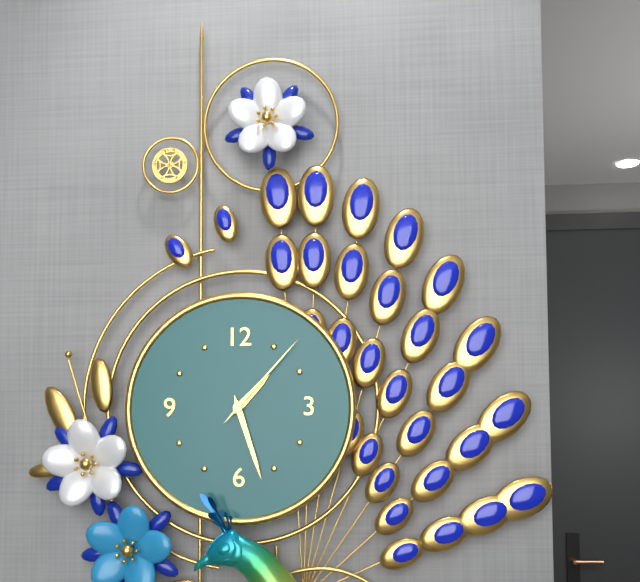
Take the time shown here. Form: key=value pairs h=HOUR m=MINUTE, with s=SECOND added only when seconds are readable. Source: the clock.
h=1 m=27 s=7
